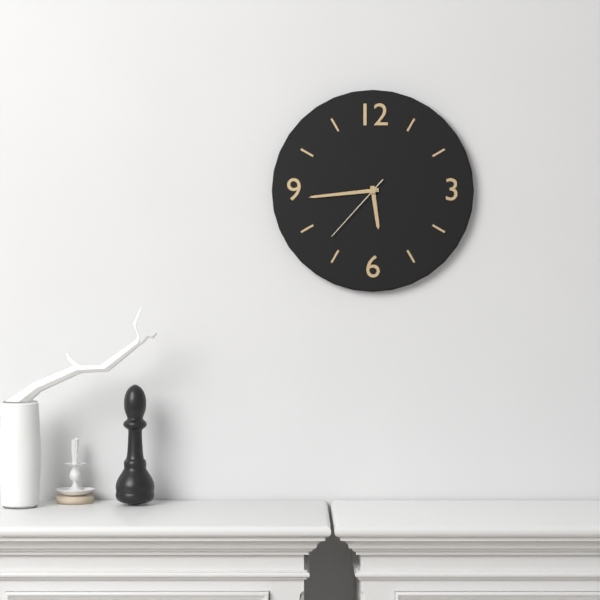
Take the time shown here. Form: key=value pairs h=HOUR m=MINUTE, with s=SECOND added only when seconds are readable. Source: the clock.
h=5 m=44 s=37
